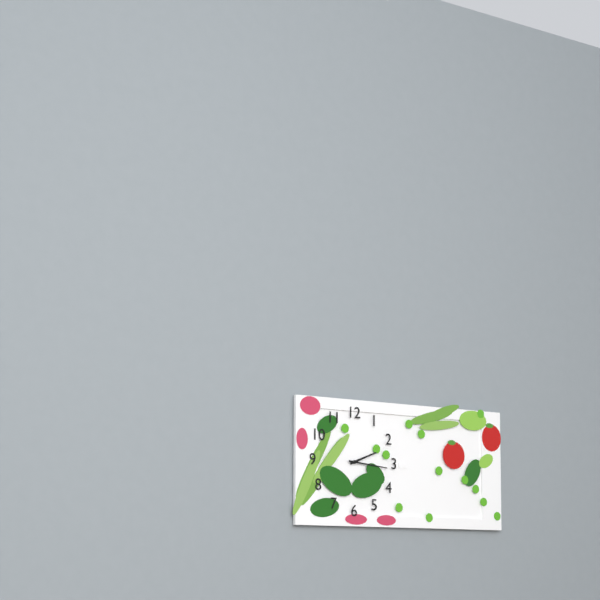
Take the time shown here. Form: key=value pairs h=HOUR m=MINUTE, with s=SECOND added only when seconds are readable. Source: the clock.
h=2 m=16
